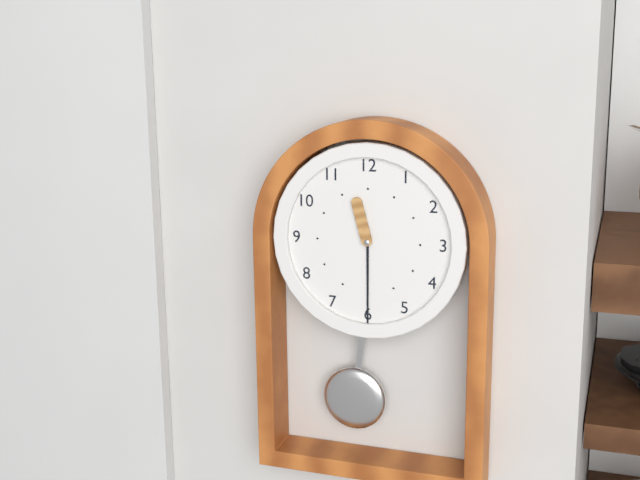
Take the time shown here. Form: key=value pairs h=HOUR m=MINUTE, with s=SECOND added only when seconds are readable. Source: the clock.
h=11 m=30
